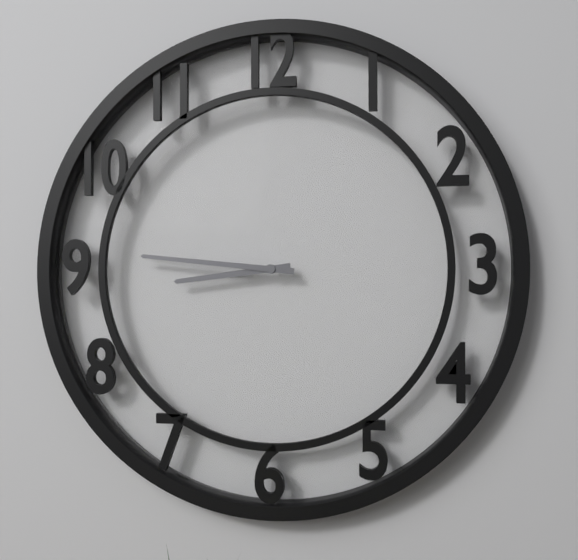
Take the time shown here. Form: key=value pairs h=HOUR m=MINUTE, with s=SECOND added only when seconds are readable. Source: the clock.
h=8 m=46
